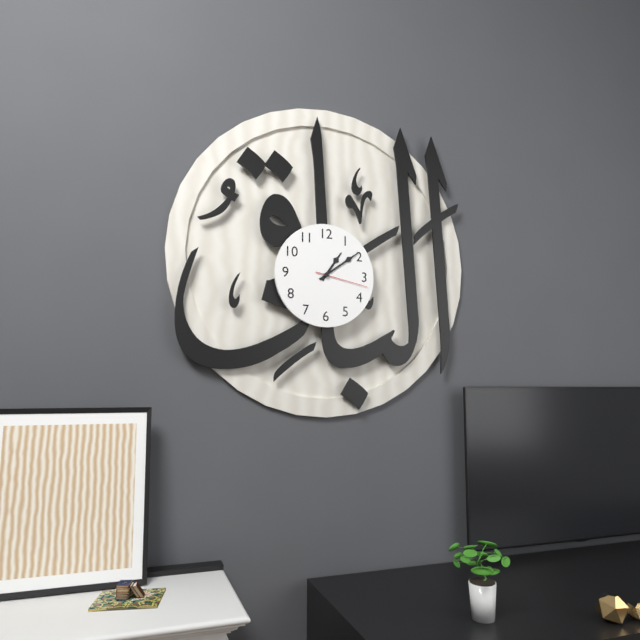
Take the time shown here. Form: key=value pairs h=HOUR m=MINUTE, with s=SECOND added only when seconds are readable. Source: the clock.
h=1 m=9 s=17
